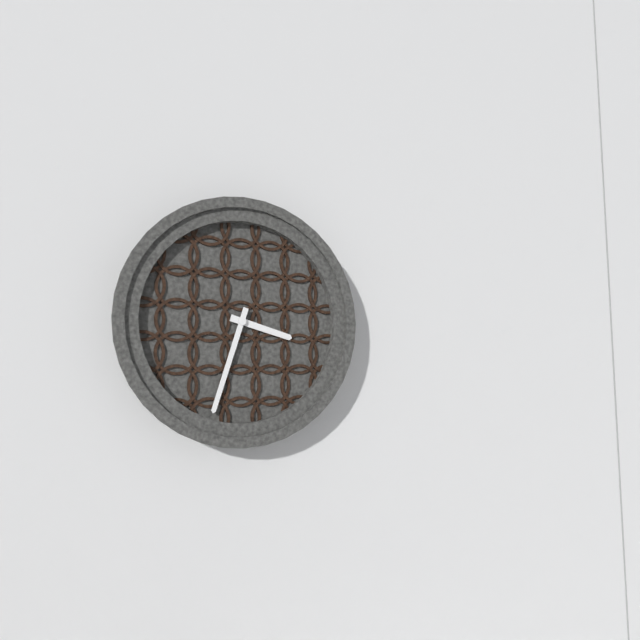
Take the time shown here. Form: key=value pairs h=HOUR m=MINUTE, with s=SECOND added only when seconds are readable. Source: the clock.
h=3 m=33
